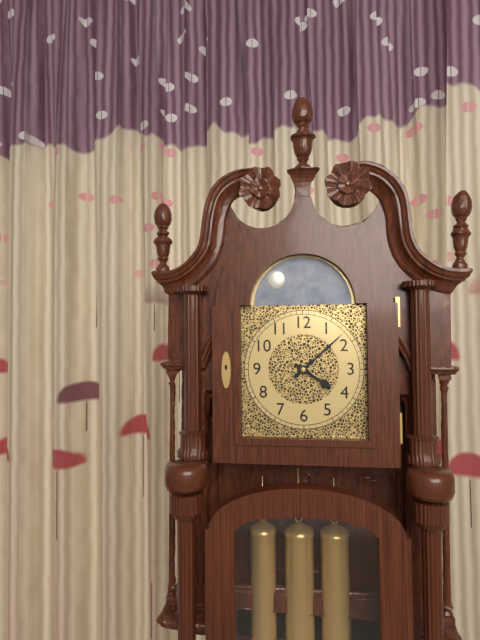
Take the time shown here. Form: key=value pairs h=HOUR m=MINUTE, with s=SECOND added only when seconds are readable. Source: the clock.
h=4 m=8
